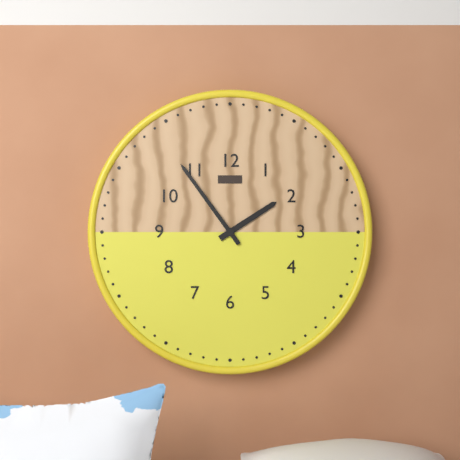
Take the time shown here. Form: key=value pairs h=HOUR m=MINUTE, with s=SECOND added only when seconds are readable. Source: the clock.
h=1 m=54
